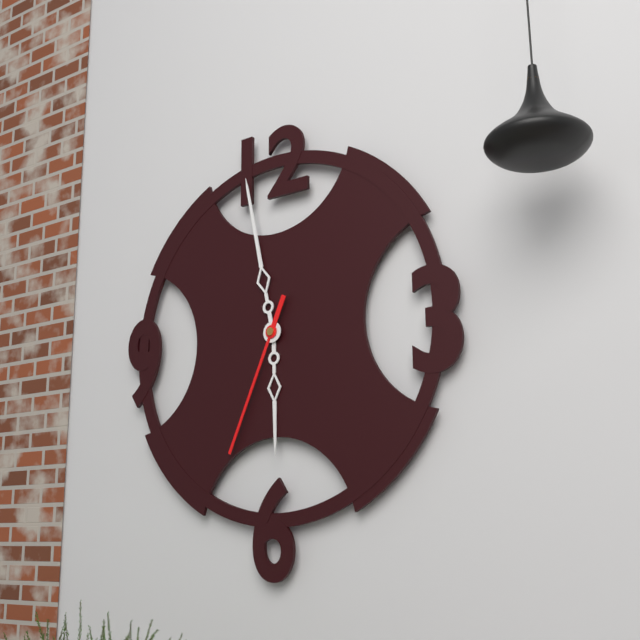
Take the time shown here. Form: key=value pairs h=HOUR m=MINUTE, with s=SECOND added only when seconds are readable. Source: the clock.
h=5 m=58 s=34
